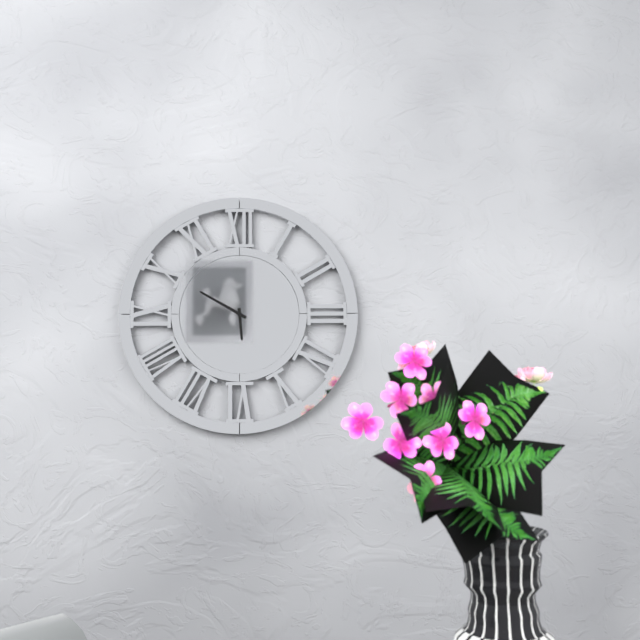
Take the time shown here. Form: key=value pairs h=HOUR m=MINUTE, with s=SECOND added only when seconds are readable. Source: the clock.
h=5 m=50
